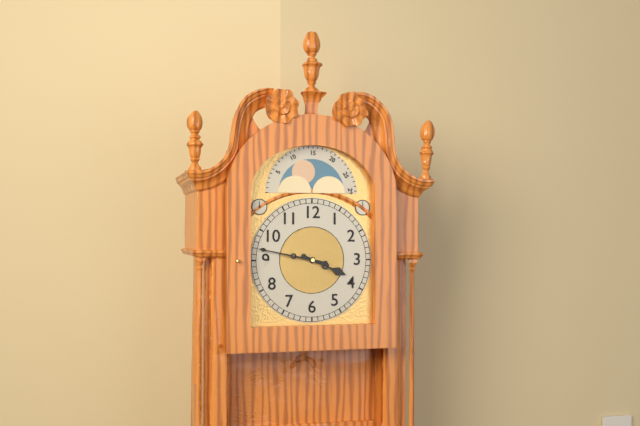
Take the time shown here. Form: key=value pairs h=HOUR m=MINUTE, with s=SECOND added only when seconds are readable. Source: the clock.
h=3 m=47
